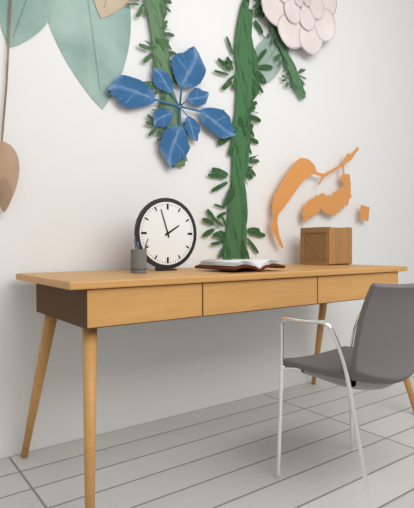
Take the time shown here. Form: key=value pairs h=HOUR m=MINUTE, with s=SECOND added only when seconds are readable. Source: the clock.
h=1 m=57
